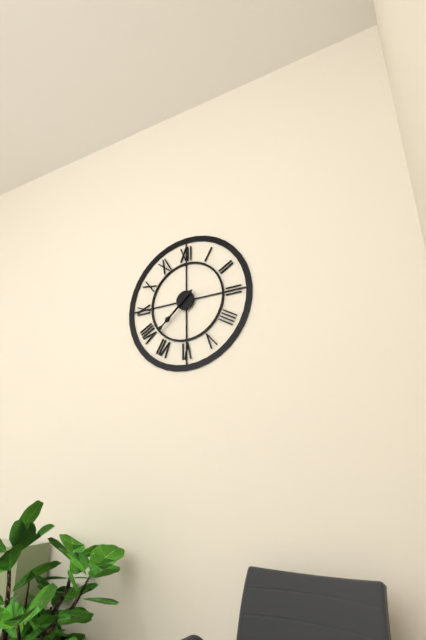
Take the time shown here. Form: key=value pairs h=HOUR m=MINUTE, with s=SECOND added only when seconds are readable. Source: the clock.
h=7 m=38
